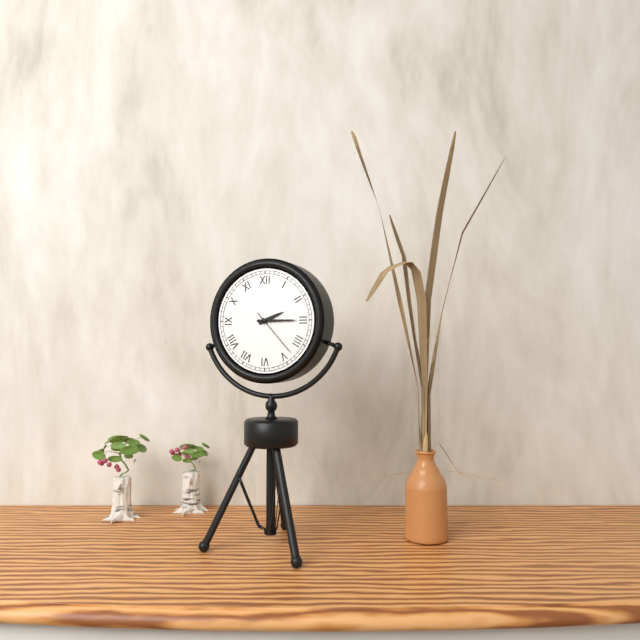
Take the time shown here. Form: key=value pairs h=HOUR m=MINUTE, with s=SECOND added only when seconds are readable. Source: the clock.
h=2 m=15
